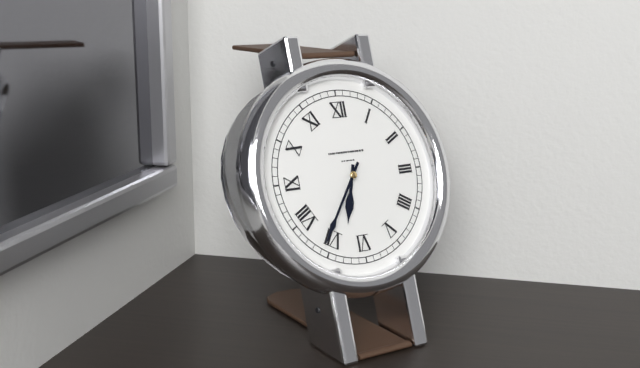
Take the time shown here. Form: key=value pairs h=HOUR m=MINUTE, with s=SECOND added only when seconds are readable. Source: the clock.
h=6 m=36
